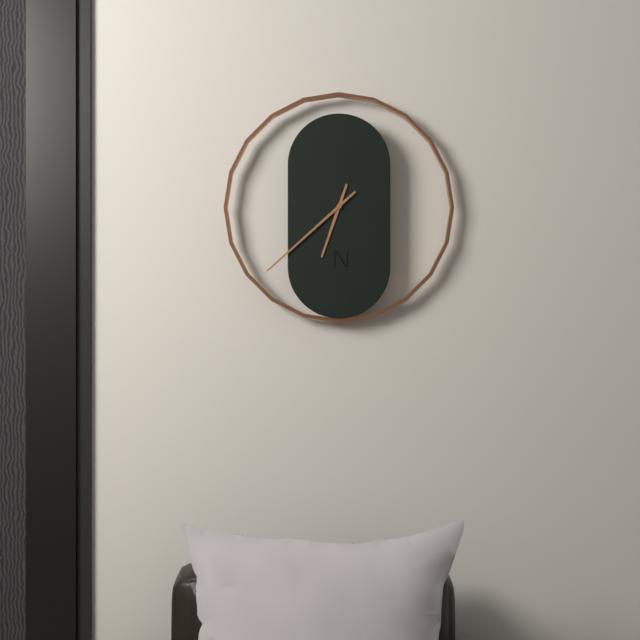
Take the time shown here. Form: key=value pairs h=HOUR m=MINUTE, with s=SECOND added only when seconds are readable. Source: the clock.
h=6 m=38
